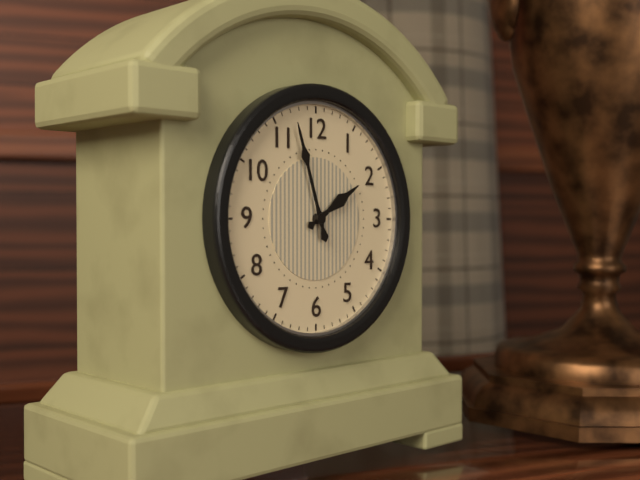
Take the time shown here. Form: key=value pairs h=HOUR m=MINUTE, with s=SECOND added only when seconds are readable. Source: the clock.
h=1 m=57
